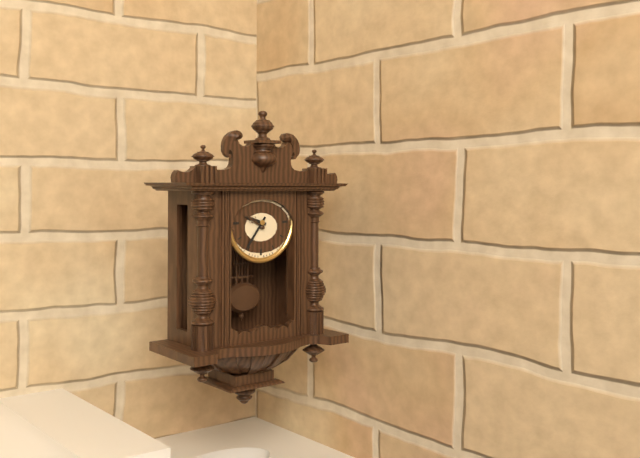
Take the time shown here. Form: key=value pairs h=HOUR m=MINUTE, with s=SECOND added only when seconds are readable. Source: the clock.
h=9 m=36
